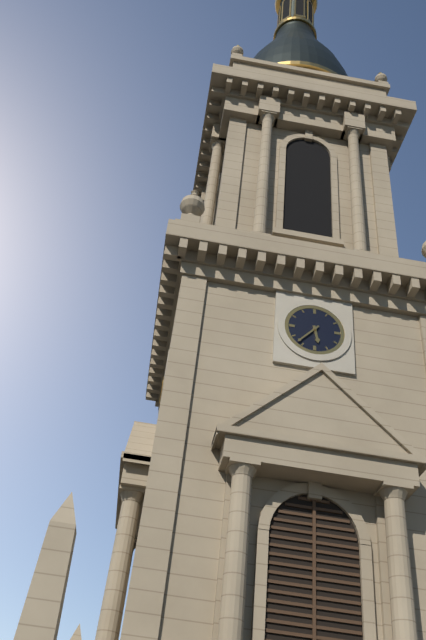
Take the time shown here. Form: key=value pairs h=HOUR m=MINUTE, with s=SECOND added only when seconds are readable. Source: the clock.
h=5 m=37
